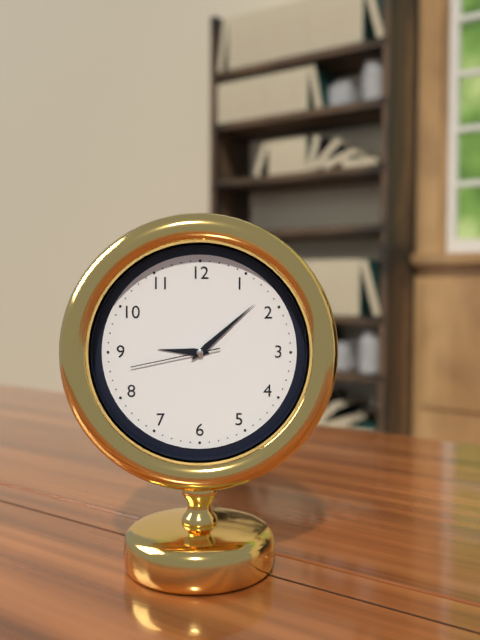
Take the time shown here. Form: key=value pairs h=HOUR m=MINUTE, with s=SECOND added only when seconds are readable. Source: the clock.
h=9 m=8 s=43
